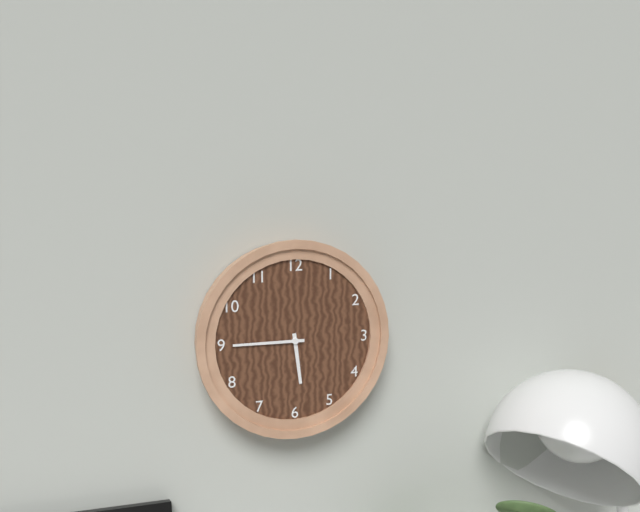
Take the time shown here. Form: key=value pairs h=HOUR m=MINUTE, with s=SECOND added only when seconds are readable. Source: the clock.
h=5 m=45
